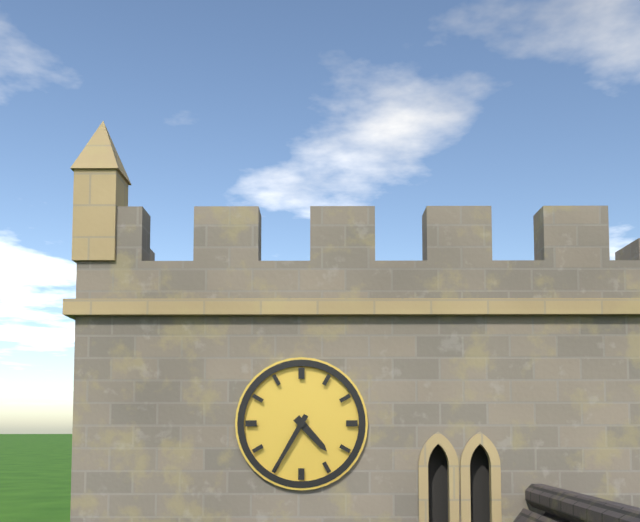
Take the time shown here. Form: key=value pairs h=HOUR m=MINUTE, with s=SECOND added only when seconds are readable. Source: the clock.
h=4 m=35
